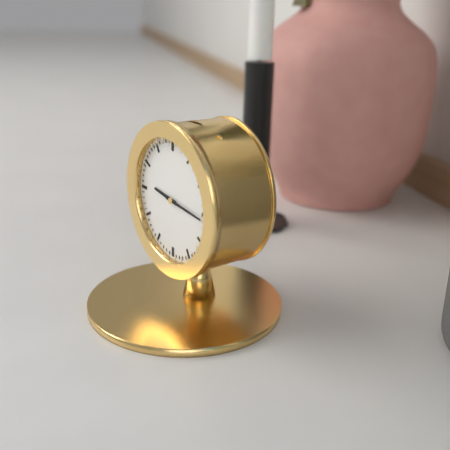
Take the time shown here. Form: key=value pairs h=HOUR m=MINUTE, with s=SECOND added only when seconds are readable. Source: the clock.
h=9 m=16
